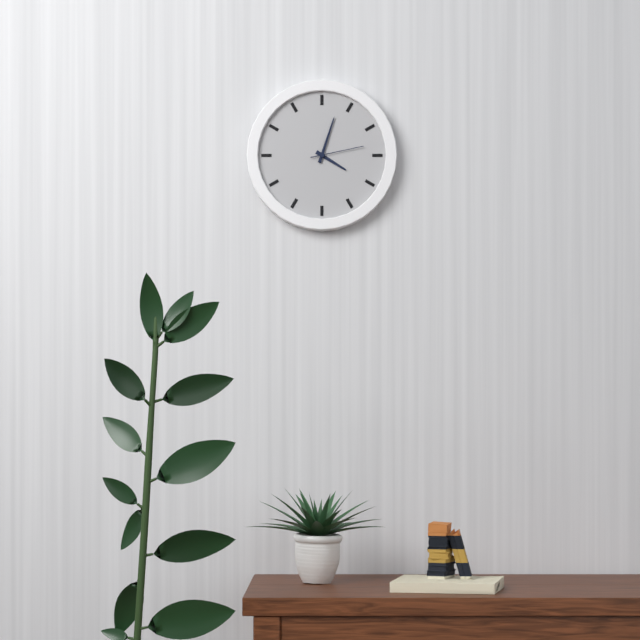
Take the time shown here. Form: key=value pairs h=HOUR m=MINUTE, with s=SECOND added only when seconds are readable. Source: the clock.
h=4 m=3 s=13
